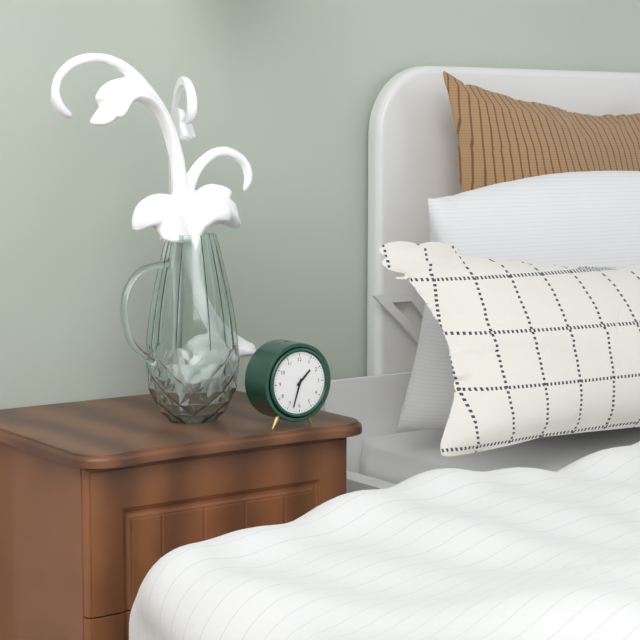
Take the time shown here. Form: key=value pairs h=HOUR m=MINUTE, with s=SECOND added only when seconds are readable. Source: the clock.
h=1 m=33
